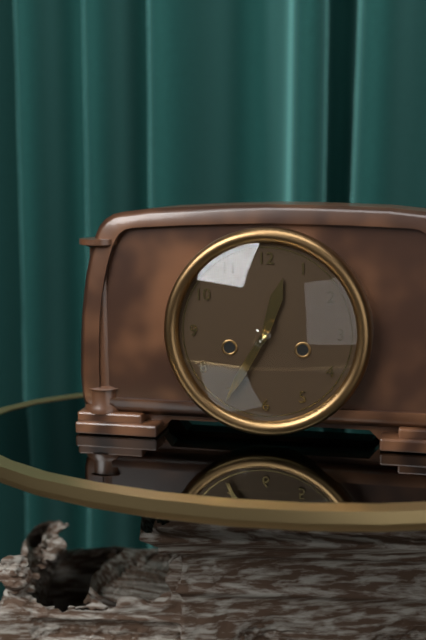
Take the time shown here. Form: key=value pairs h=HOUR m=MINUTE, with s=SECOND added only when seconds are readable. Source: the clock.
h=12 m=35
